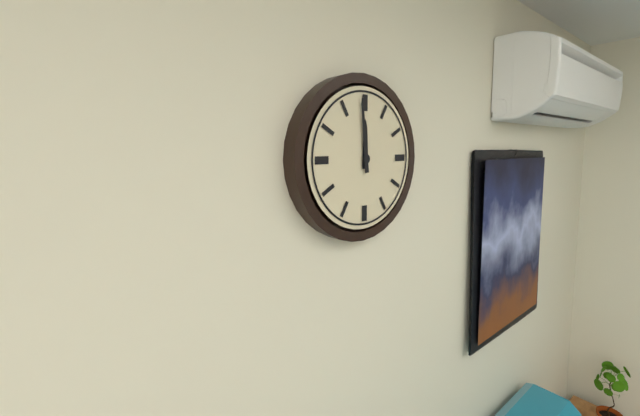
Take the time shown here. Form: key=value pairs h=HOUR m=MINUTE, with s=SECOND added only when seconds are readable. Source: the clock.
h=11 m=59
